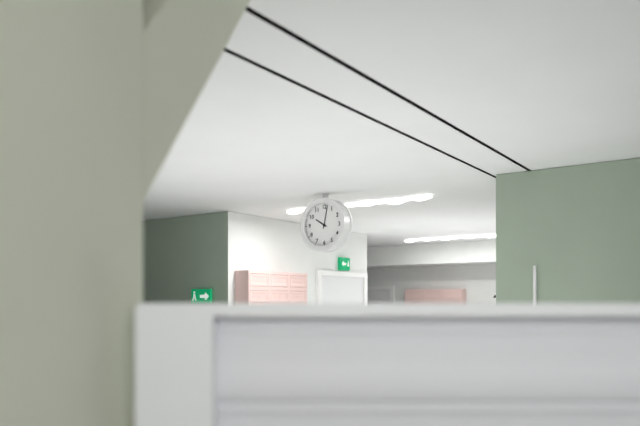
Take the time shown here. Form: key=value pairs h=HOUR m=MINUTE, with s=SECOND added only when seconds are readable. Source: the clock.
h=10 m=2
